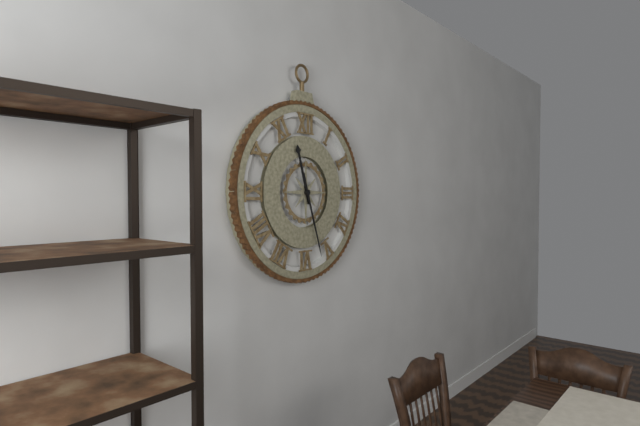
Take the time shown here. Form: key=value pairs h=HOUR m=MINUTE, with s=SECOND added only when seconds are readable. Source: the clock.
h=11 m=27
